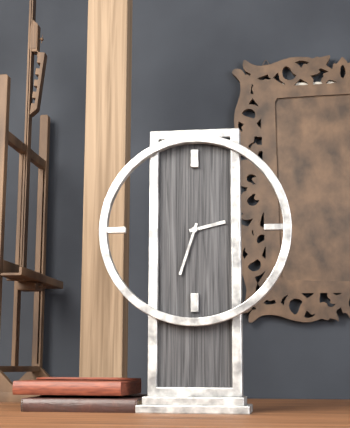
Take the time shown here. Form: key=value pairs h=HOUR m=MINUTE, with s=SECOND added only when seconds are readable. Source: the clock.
h=2 m=33
